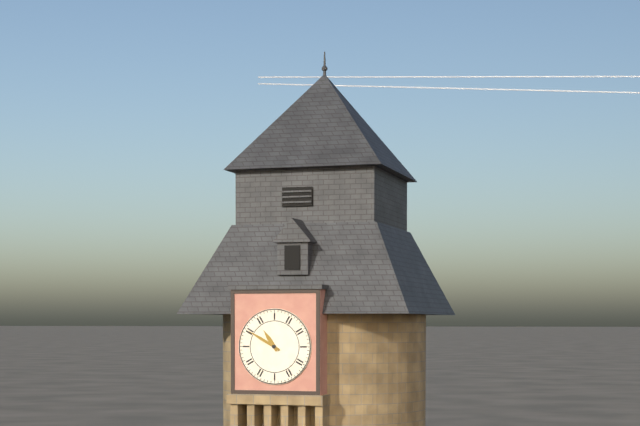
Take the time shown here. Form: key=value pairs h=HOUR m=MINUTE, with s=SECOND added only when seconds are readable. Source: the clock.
h=10 m=50
